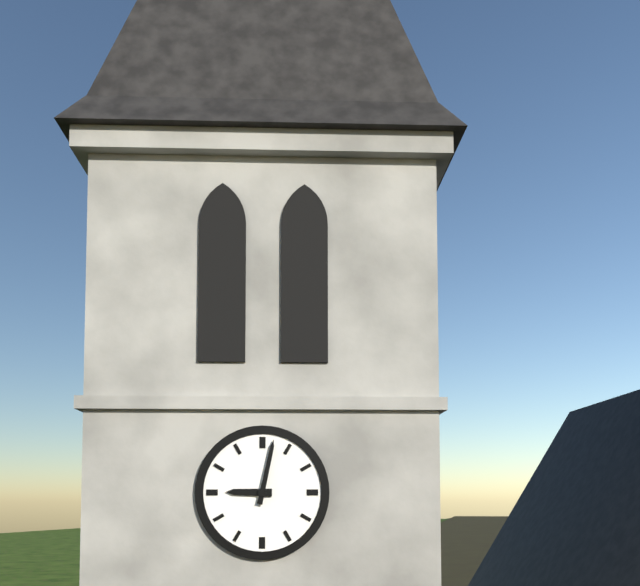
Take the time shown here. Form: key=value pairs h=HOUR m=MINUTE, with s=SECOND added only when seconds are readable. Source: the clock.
h=9 m=2
